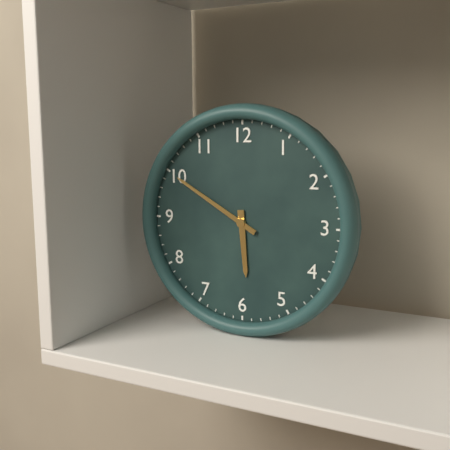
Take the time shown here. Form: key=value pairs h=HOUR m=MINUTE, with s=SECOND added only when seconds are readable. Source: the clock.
h=5 m=50
